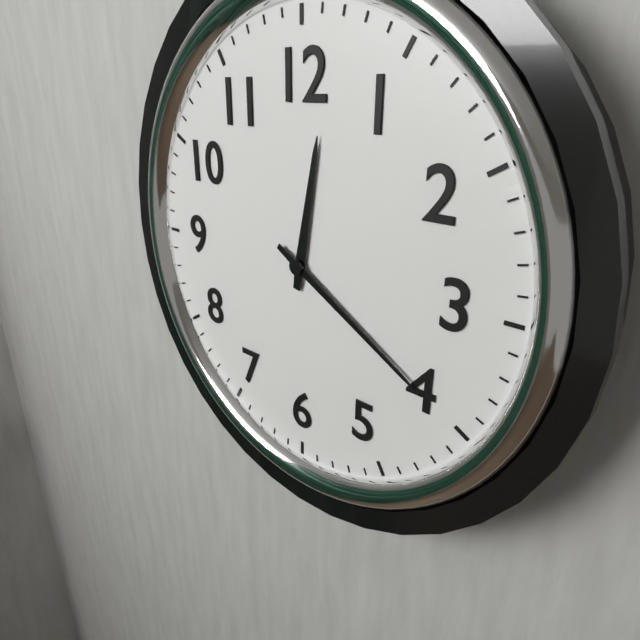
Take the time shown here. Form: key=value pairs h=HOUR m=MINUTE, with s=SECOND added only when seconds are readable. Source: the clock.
h=12 m=20
